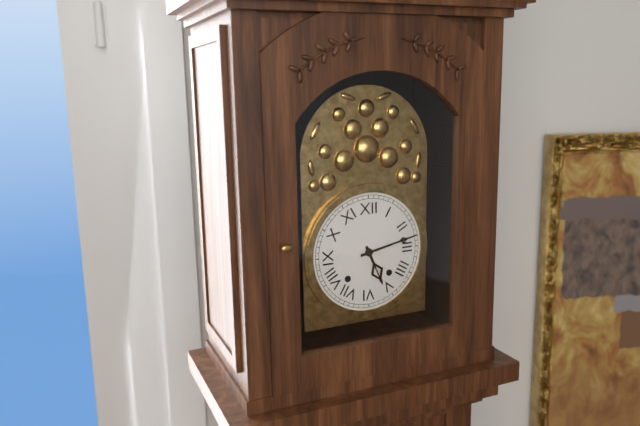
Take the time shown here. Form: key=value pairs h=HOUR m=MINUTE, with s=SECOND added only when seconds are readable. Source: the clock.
h=5 m=13
